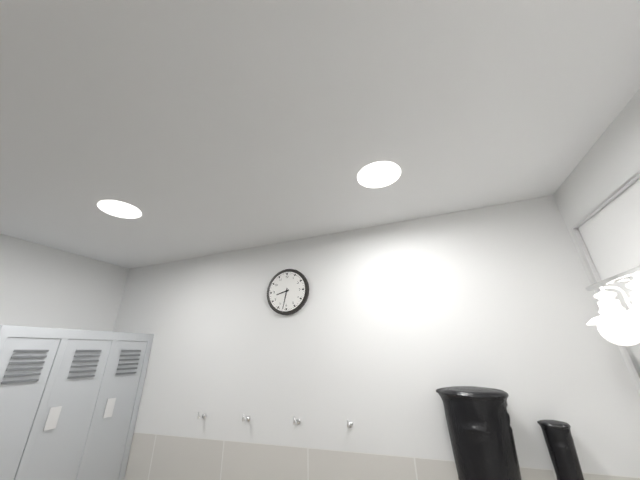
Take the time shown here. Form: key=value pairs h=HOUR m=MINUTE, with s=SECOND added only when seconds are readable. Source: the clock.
h=8 m=32
